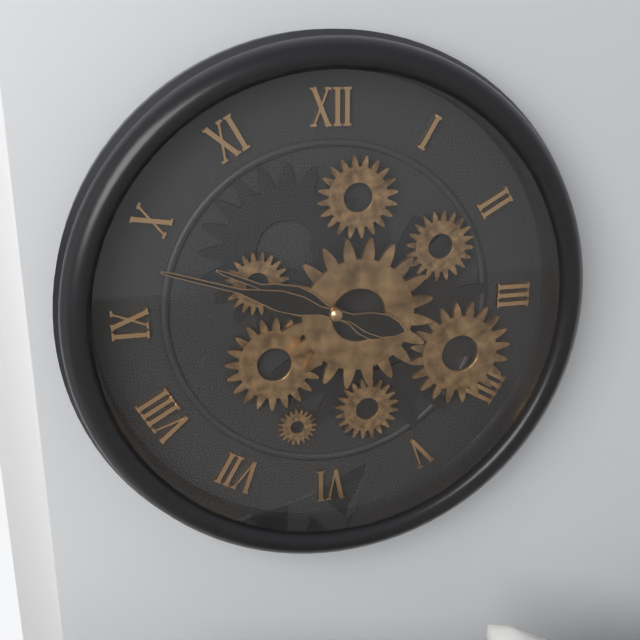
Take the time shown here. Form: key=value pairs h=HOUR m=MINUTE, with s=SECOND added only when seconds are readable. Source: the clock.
h=9 m=48
